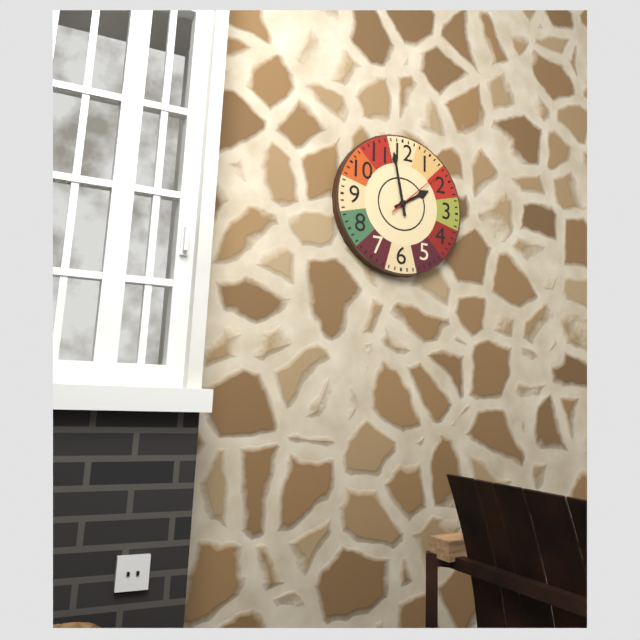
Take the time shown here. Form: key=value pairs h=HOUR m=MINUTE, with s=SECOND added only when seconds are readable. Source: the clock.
h=1 m=58 s=8
